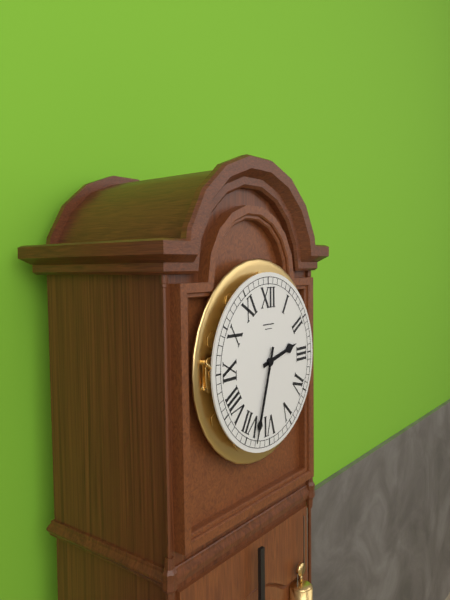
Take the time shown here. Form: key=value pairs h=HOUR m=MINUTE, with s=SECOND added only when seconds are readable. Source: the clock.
h=2 m=33
